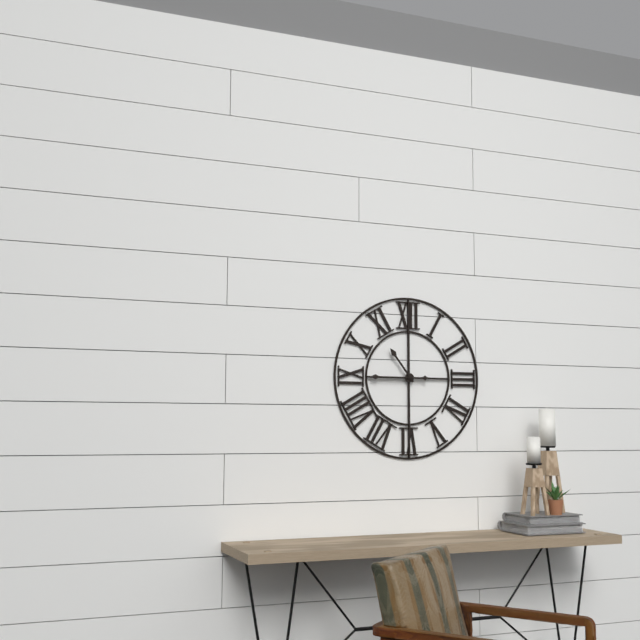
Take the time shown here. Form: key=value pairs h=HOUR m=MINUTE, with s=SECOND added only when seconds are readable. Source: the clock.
h=10 m=45
